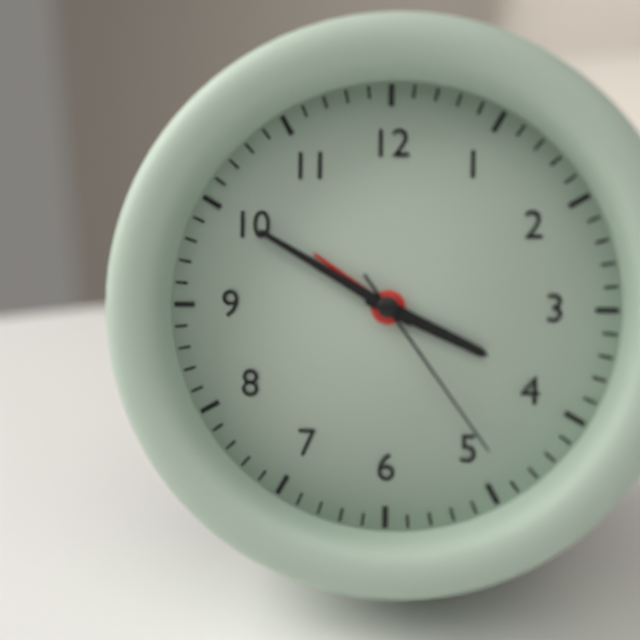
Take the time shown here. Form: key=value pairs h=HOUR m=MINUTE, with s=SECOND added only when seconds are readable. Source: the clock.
h=3 m=50 s=24
